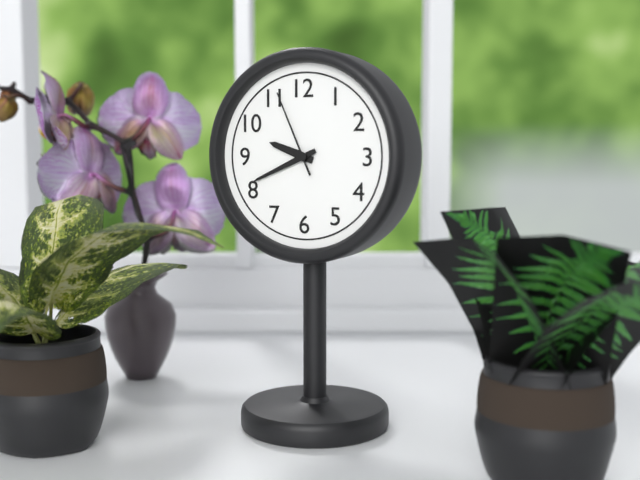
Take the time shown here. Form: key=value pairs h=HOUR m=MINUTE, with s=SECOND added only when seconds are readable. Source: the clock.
h=9 m=41 s=56
